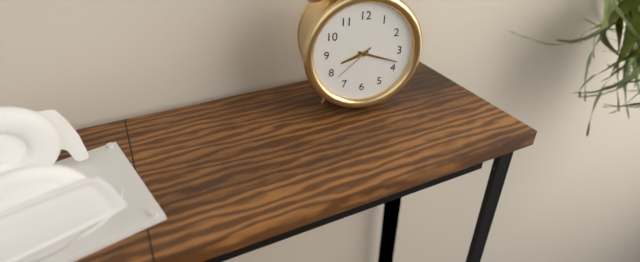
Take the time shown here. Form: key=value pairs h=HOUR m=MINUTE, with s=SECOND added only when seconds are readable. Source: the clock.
h=8 m=18
